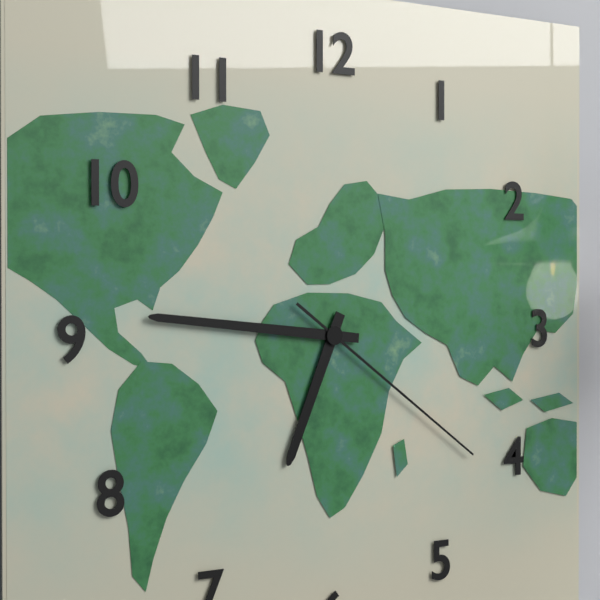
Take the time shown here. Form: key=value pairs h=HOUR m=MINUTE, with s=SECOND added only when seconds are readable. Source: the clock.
h=6 m=46 s=21
